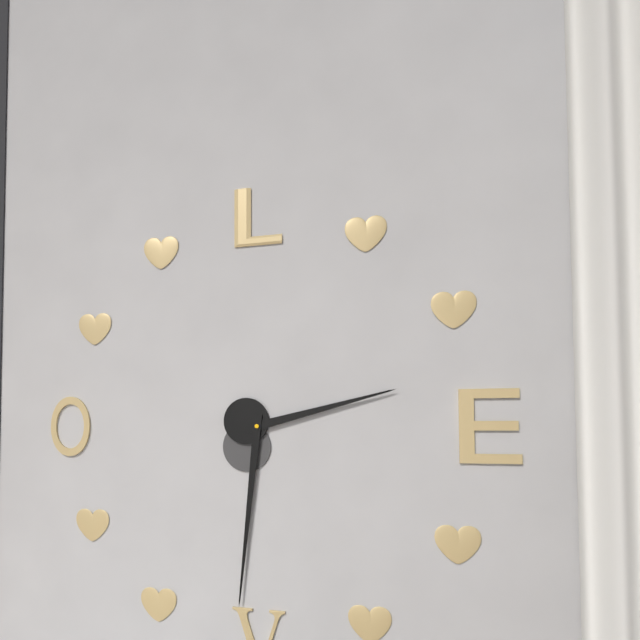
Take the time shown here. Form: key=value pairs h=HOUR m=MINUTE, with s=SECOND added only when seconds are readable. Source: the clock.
h=2 m=31
